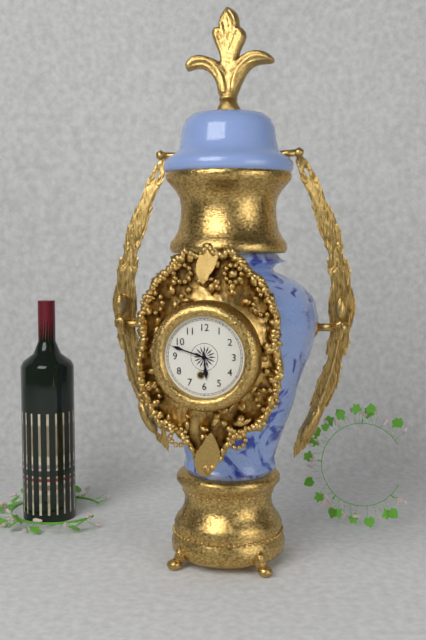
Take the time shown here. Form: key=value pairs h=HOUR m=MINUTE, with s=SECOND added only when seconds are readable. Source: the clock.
h=5 m=48
